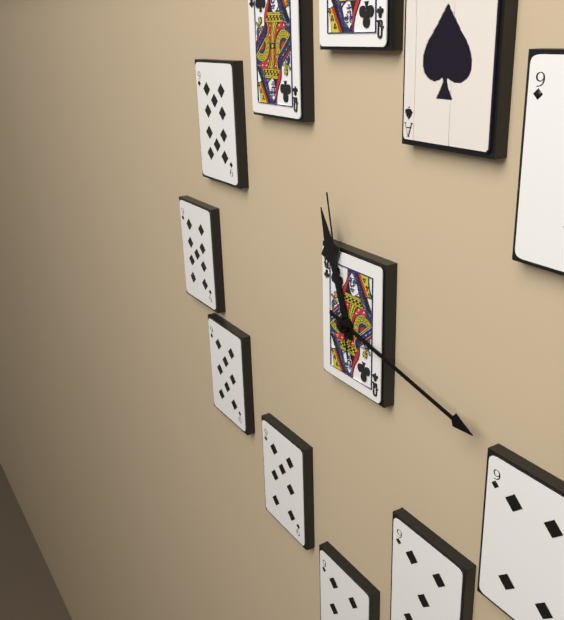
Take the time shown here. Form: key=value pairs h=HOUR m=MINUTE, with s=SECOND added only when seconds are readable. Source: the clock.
h=11 m=17 s=58
